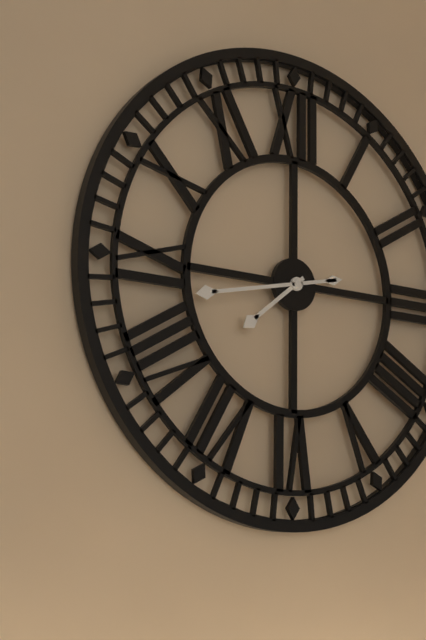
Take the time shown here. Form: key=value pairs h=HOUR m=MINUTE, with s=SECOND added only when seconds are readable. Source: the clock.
h=7 m=43
